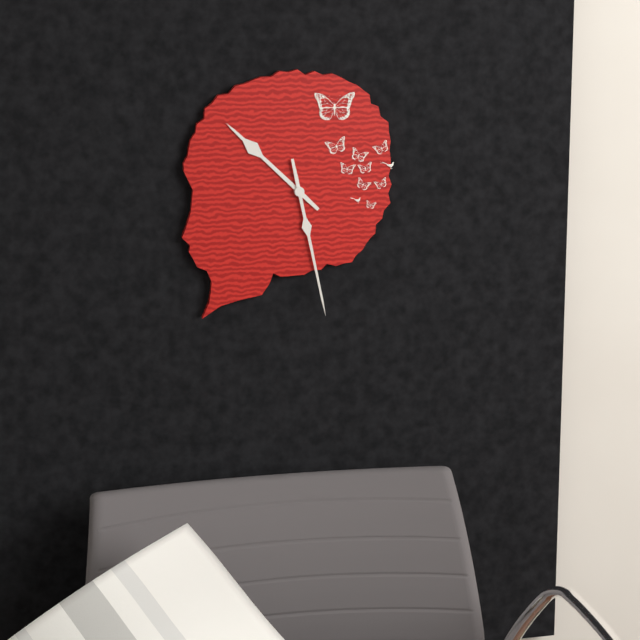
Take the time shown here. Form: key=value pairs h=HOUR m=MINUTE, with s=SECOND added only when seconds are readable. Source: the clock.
h=10 m=28
